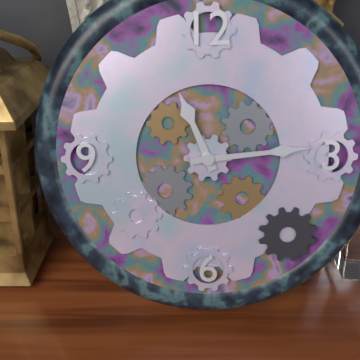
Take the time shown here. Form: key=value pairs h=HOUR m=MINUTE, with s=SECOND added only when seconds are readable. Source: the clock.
h=11 m=14
